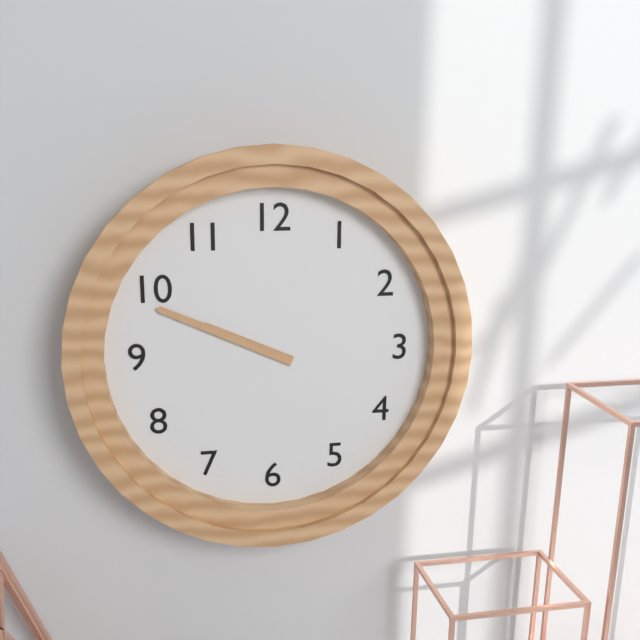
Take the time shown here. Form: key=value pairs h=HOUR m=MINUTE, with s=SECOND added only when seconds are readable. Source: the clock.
h=9 m=49
